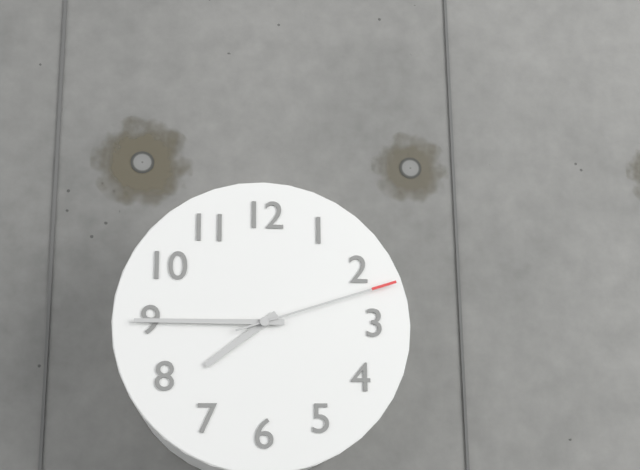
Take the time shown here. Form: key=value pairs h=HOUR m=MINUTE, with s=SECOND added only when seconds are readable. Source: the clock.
h=7 m=45 s=12
